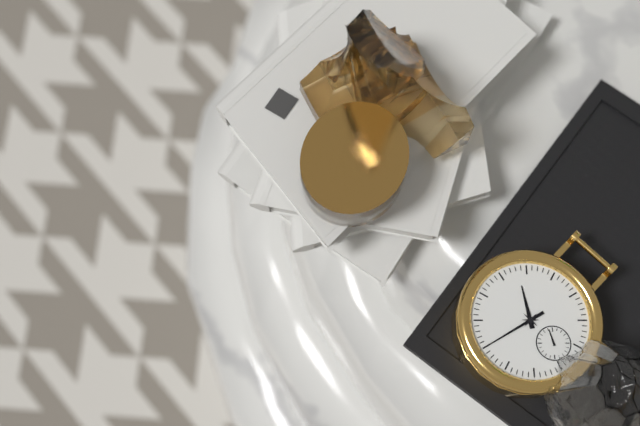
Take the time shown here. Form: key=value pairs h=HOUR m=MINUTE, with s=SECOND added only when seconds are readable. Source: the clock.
h=11 m=40
